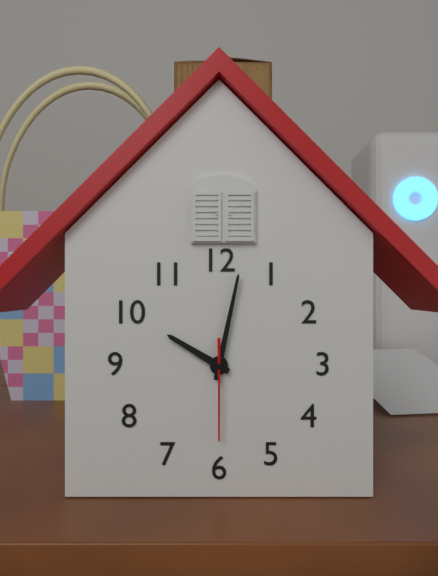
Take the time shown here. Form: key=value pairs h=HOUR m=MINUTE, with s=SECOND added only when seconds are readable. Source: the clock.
h=10 m=2 s=30
